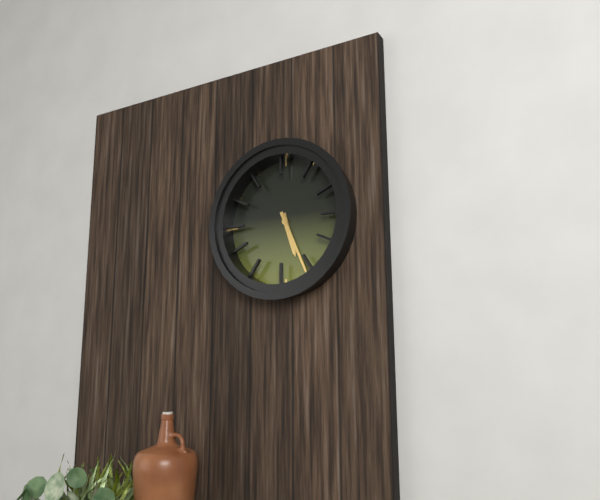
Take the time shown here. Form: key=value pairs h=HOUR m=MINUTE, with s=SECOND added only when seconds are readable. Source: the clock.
h=5 m=26
